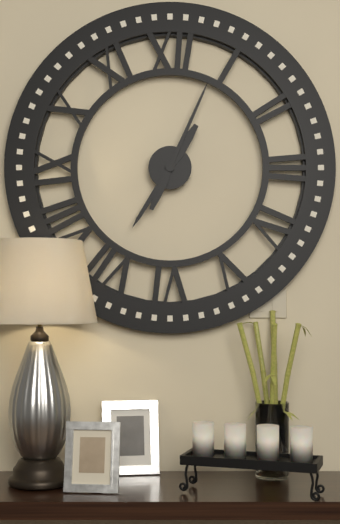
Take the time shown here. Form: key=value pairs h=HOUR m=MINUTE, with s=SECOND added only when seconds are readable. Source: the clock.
h=7 m=4
